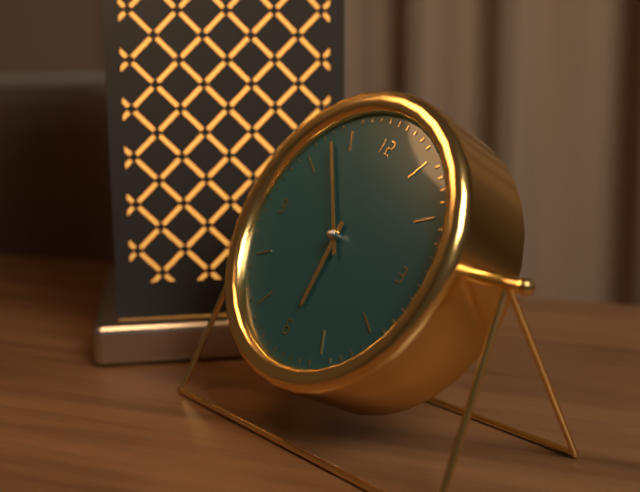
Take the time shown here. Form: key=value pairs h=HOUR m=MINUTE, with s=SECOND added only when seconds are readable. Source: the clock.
h=5 m=53
